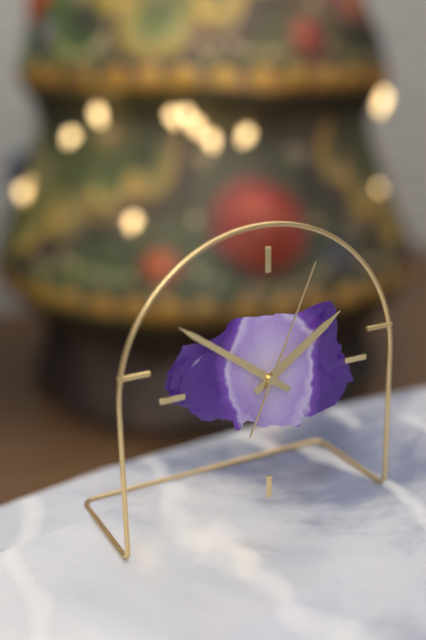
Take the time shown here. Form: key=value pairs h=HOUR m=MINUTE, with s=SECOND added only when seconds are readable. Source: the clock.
h=1 m=51 s=4
